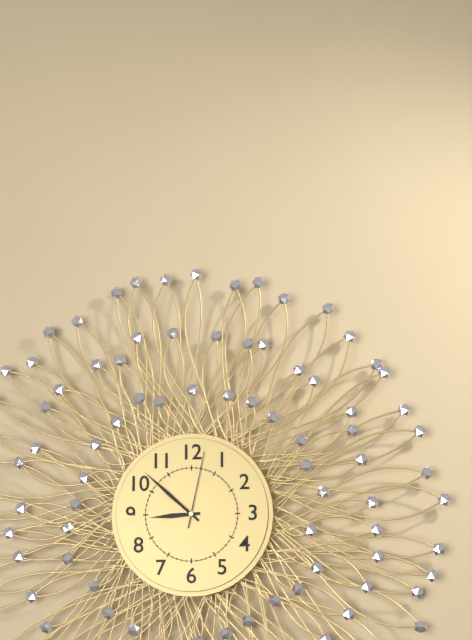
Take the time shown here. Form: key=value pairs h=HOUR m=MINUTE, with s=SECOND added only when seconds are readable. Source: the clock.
h=8 m=52 s=2
